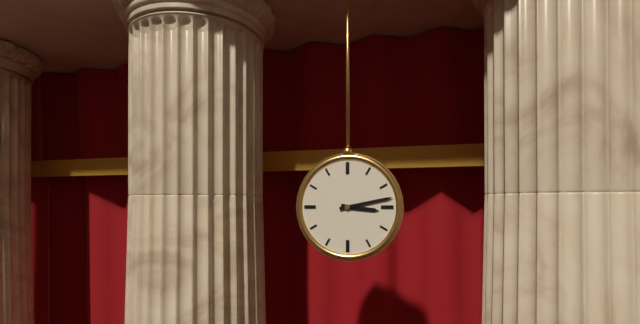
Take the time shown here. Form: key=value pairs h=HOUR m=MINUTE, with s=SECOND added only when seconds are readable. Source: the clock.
h=3 m=13
